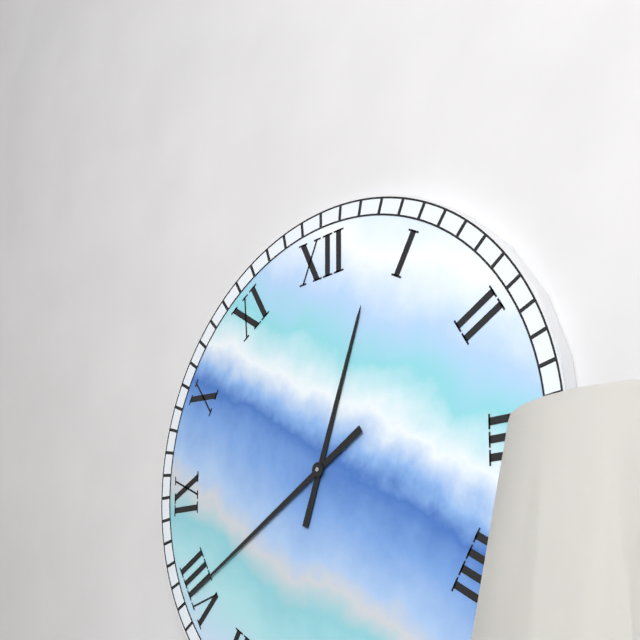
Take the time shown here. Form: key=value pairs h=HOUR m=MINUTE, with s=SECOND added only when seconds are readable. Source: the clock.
h=12 m=40
